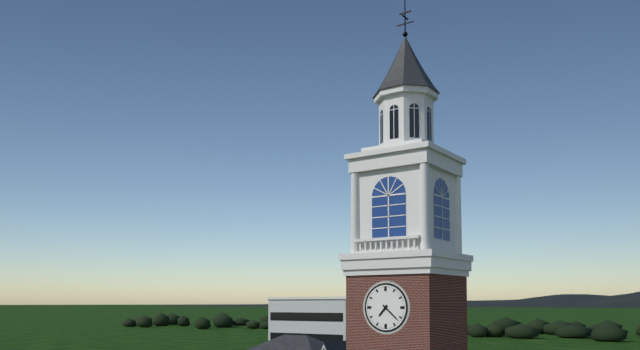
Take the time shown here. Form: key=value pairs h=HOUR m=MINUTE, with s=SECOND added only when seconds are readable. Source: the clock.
h=7 m=22
